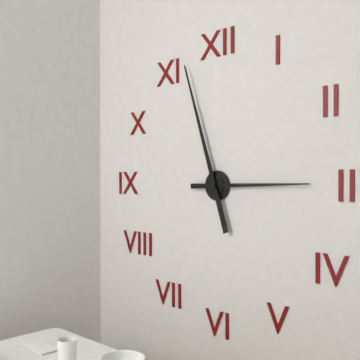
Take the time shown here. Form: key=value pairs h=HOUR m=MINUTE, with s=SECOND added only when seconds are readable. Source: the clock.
h=2 m=57
